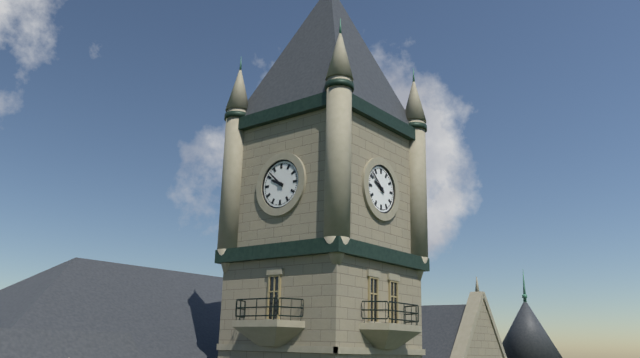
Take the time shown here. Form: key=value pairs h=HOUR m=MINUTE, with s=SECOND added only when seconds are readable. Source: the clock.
h=9 m=52
